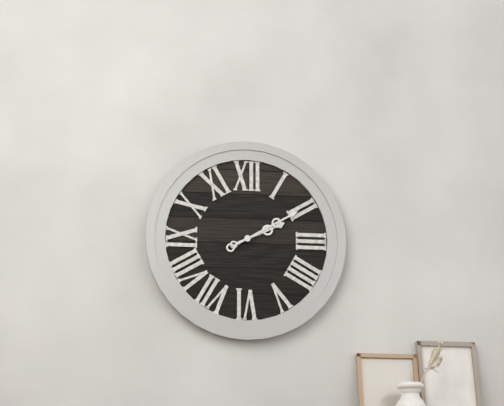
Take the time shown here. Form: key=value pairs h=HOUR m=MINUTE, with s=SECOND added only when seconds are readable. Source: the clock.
h=2 m=10
